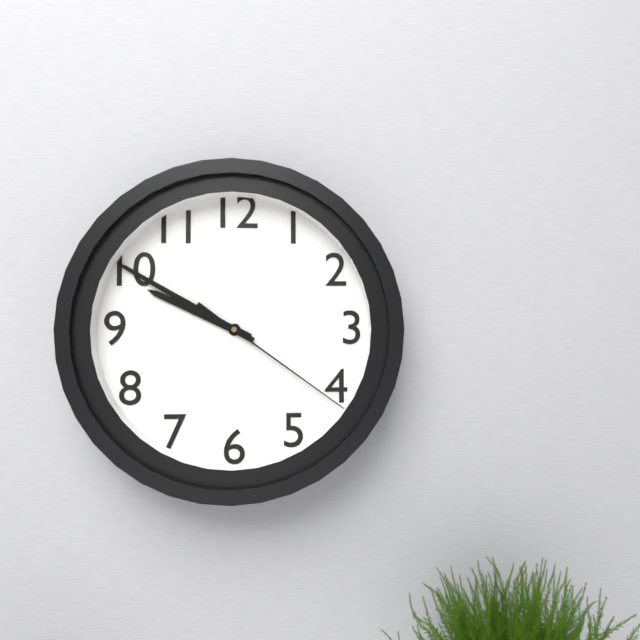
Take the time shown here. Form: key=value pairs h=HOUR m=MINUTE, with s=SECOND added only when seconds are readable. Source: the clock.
h=9 m=50 s=21
